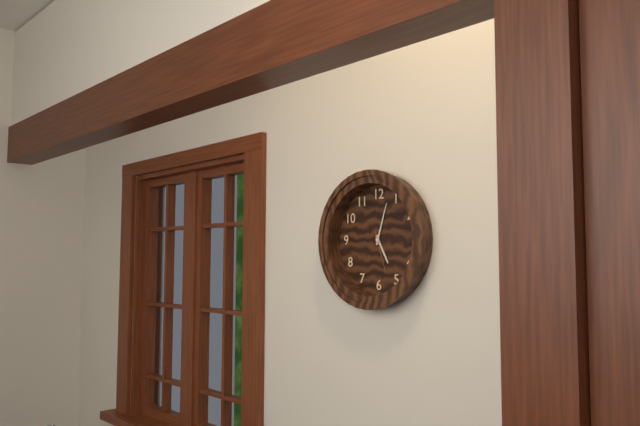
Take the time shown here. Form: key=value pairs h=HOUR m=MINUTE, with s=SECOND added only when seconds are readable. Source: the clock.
h=5 m=3
